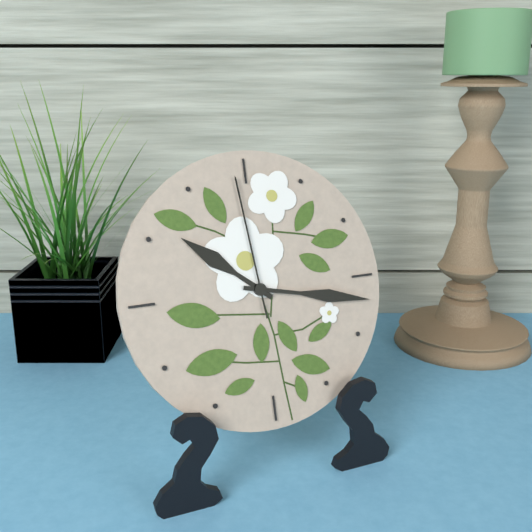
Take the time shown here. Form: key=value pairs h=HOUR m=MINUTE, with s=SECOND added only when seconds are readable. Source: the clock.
h=10 m=17 s=59
